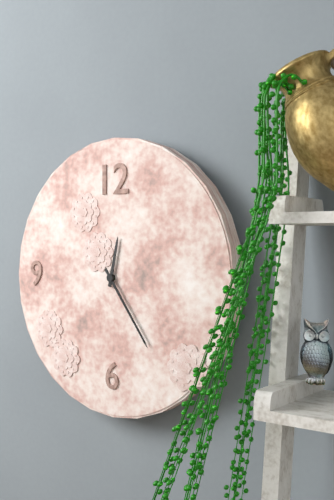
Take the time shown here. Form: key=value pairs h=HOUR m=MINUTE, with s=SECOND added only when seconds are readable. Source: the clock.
h=12 m=24
